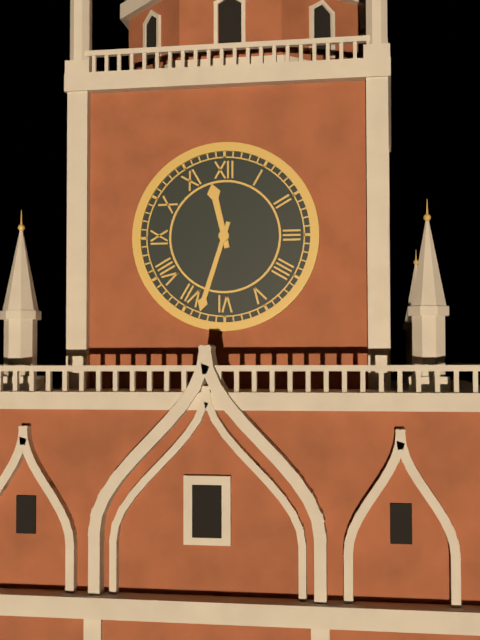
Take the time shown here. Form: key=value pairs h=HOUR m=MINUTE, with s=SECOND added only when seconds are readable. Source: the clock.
h=11 m=33
